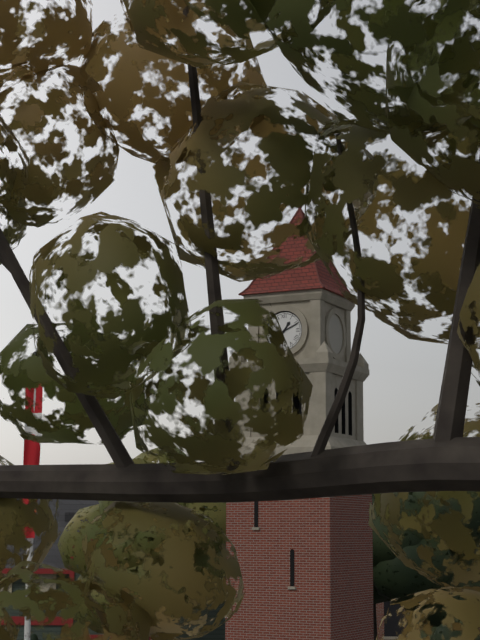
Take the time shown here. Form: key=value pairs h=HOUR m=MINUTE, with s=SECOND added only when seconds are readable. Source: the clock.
h=1 m=11
